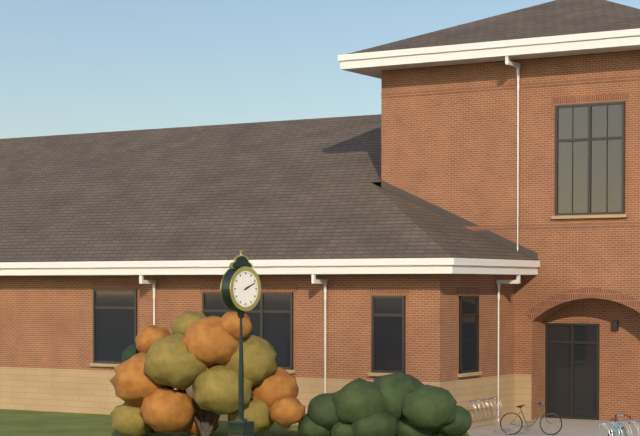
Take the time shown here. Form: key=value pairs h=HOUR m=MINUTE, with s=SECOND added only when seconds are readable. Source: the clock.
h=2 m=11
